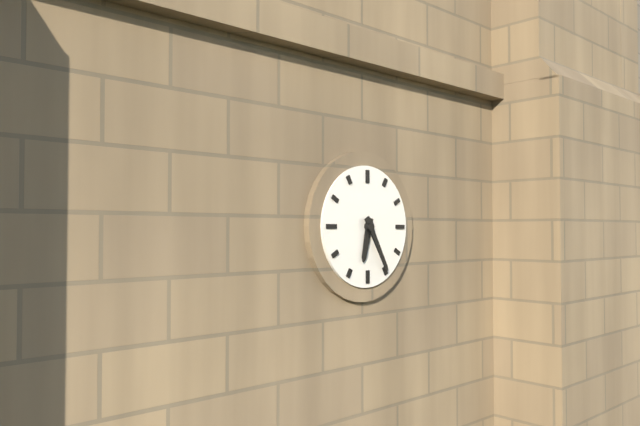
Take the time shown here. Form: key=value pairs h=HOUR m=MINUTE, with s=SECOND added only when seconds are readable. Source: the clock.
h=6 m=25
